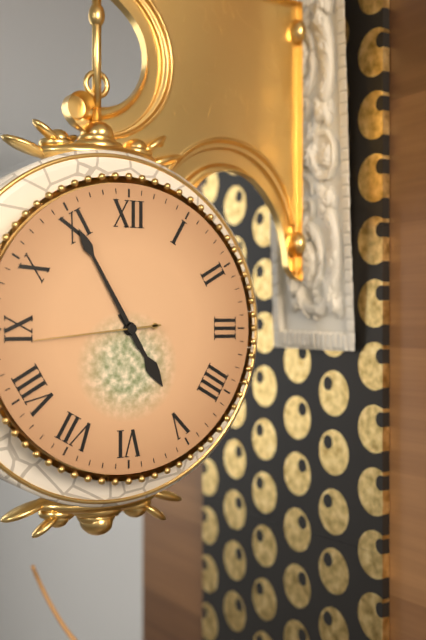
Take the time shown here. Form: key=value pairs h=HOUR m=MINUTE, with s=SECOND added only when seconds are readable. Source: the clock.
h=4 m=55 s=44
